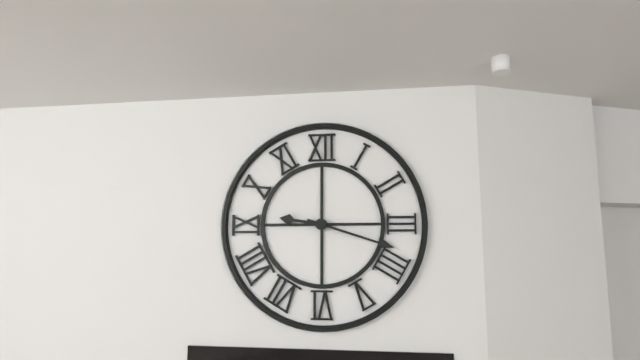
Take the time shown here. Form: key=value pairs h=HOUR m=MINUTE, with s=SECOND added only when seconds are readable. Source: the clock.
h=9 m=18
